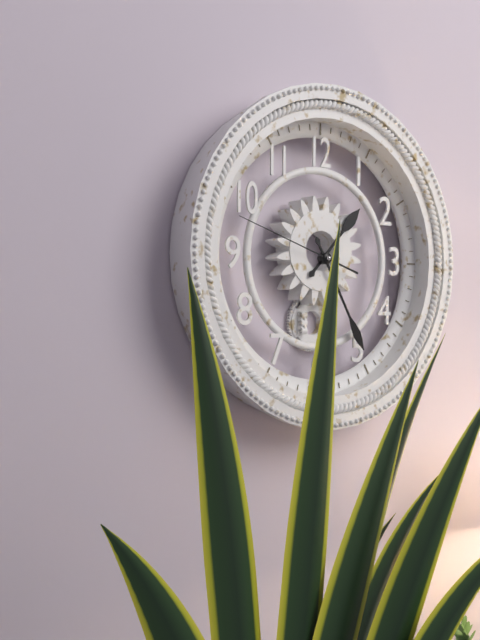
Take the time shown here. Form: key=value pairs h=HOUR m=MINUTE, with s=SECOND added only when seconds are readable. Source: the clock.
h=1 m=25 s=48
